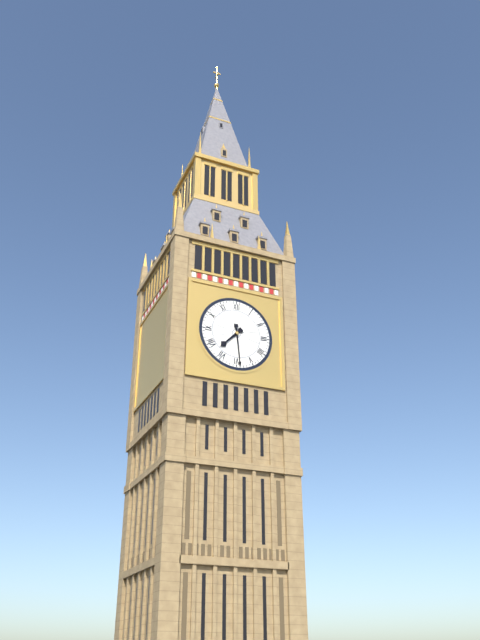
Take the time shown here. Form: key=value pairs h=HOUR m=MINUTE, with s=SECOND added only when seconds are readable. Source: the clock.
h=7 m=29
